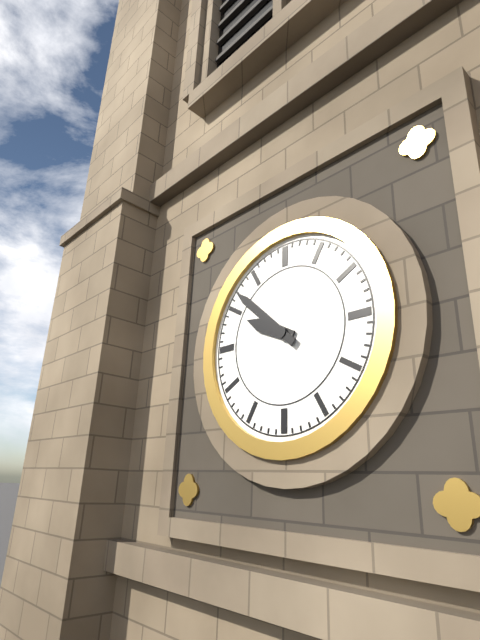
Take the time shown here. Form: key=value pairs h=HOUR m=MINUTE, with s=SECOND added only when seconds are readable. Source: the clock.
h=9 m=52
